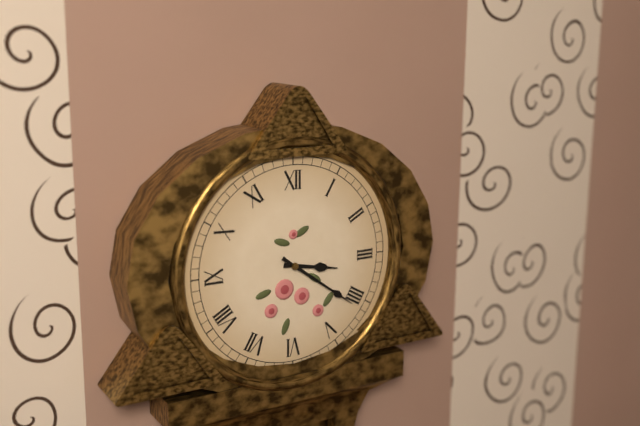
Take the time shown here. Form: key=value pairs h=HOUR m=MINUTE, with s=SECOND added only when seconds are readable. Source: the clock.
h=3 m=21
